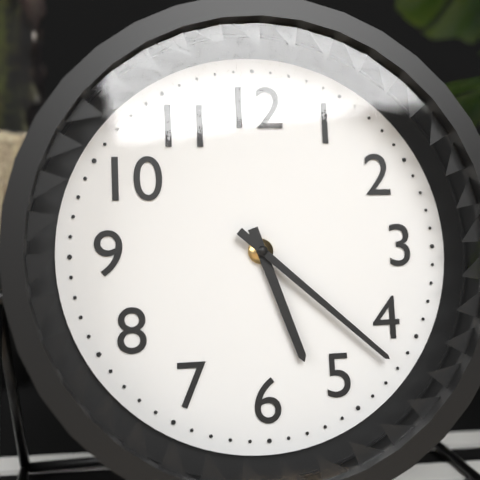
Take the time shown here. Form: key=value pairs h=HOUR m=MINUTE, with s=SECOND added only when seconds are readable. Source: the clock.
h=5 m=22
